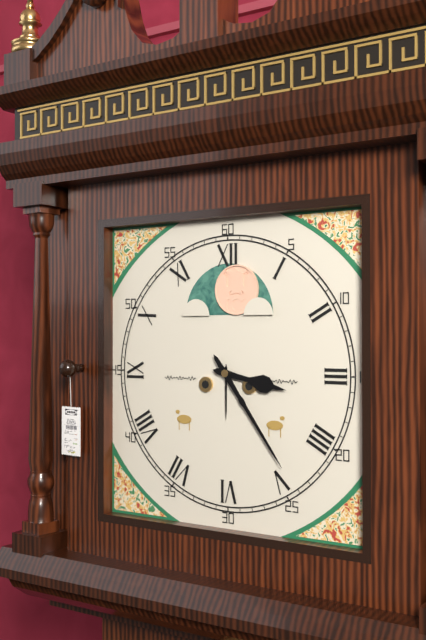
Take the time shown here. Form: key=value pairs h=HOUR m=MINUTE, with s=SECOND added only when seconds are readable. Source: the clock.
h=3 m=24
